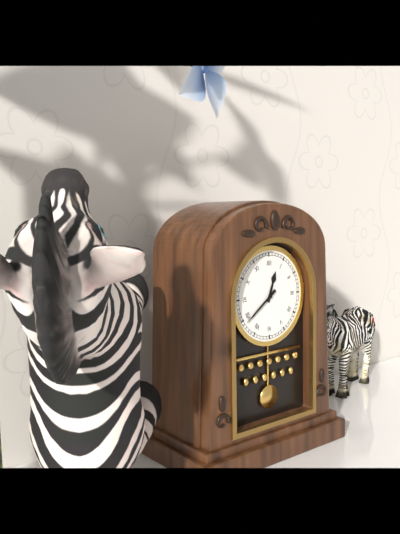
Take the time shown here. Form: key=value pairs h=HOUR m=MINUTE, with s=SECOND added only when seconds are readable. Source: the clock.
h=12 m=39
